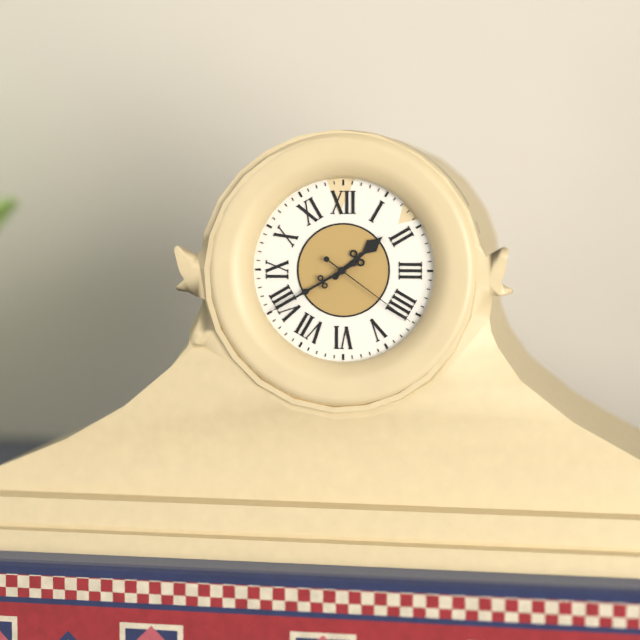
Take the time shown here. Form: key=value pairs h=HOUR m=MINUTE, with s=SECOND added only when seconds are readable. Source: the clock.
h=1 m=40 s=21
